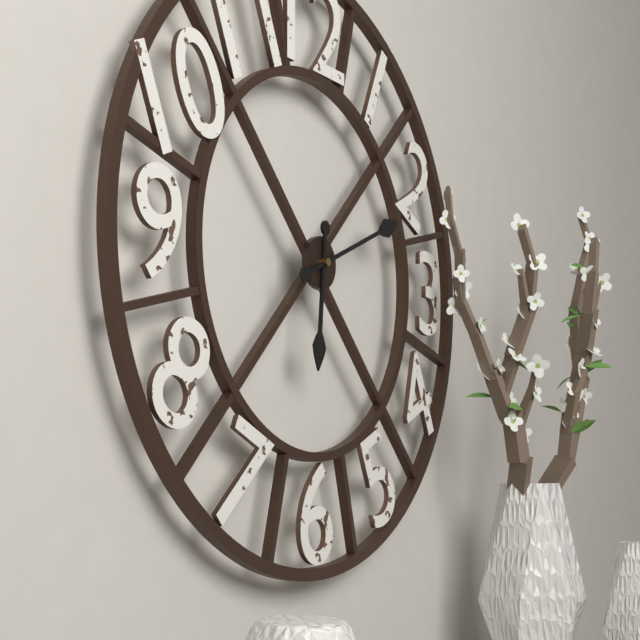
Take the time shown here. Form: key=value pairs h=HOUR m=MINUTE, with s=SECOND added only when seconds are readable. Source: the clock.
h=6 m=11
